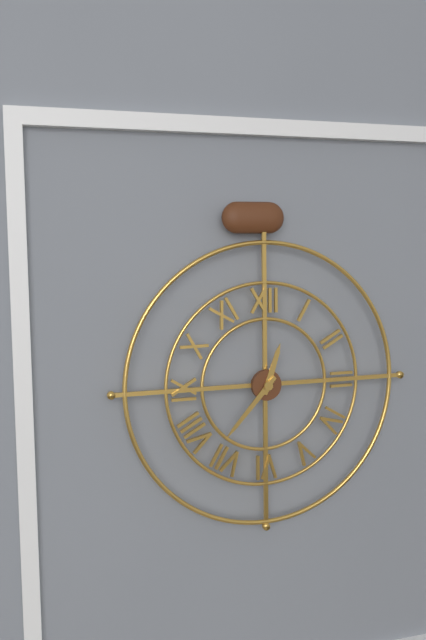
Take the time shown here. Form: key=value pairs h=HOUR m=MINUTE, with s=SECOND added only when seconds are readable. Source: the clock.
h=12 m=37
